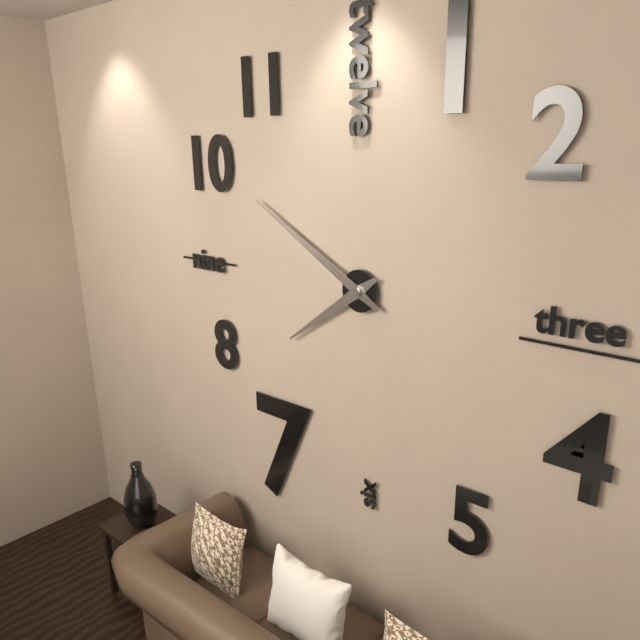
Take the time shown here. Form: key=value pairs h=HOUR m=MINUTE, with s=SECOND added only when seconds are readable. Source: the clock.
h=7 m=50
